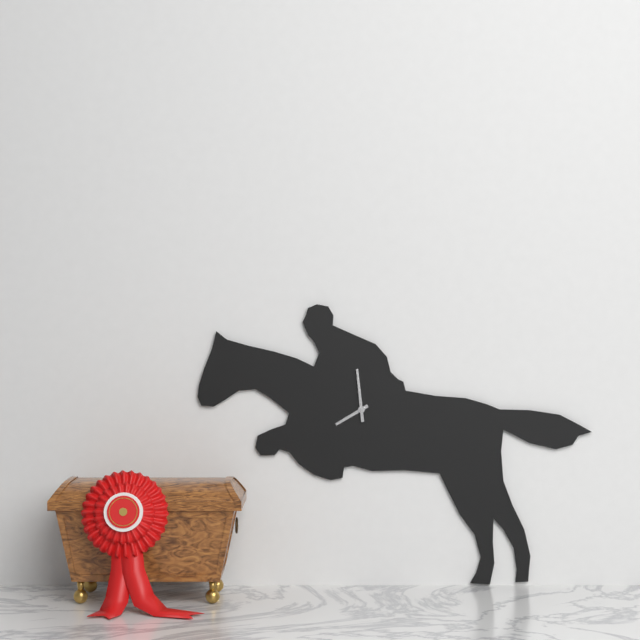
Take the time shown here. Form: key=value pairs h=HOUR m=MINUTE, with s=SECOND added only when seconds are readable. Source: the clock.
h=7 m=59
